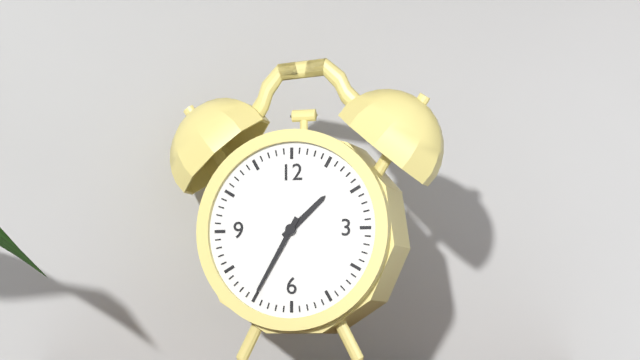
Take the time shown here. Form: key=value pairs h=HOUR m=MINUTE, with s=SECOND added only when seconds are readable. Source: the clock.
h=1 m=35
